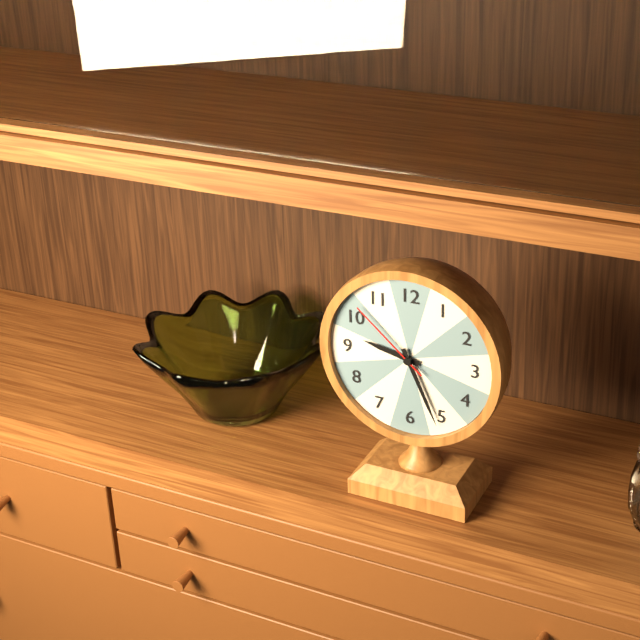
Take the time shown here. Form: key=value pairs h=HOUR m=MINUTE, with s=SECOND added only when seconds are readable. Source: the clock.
h=9 m=26 s=52
